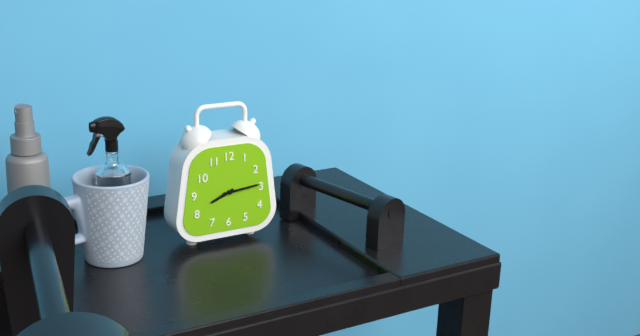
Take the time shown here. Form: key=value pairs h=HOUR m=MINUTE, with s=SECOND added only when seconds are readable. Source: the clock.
h=8 m=14
